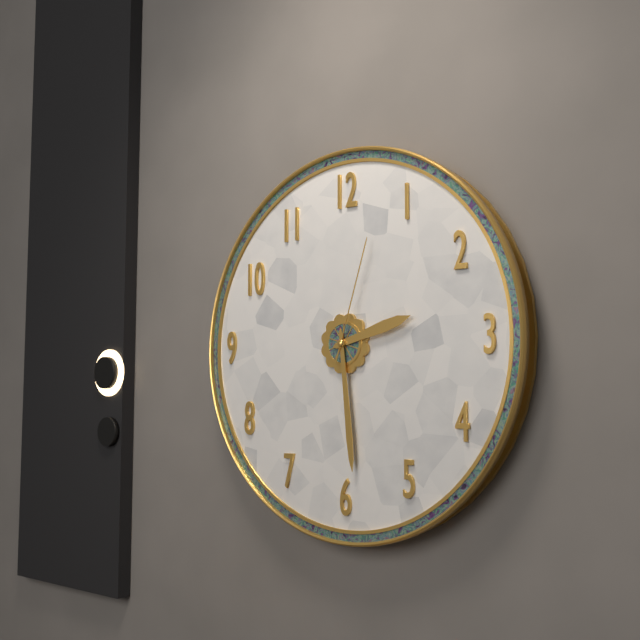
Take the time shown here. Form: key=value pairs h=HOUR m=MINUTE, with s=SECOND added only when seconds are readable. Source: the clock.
h=2 m=29 s=3
